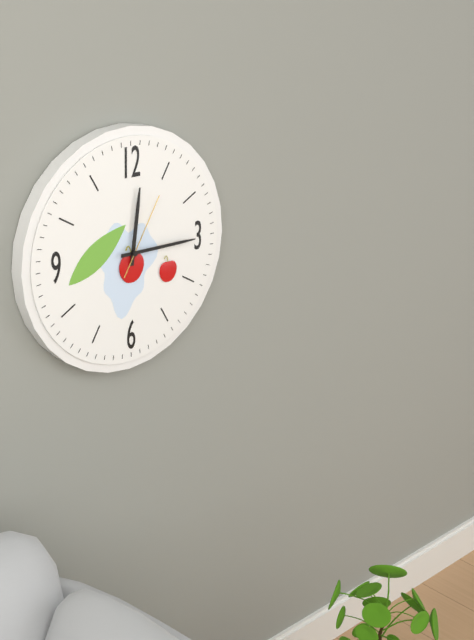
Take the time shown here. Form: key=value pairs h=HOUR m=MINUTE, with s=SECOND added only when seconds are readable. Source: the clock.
h=12 m=15 s=5
